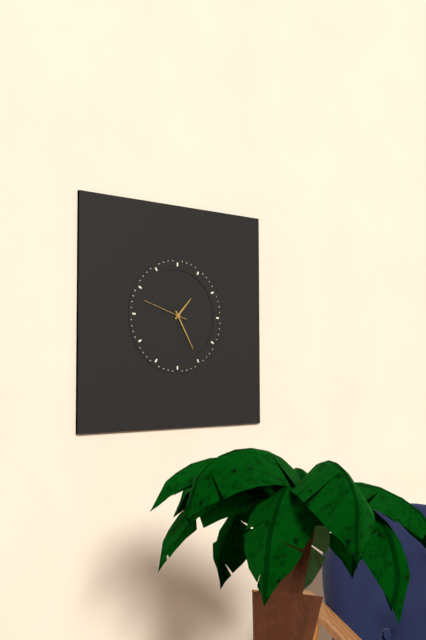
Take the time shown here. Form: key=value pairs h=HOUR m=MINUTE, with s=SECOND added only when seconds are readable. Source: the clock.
h=1 m=25
